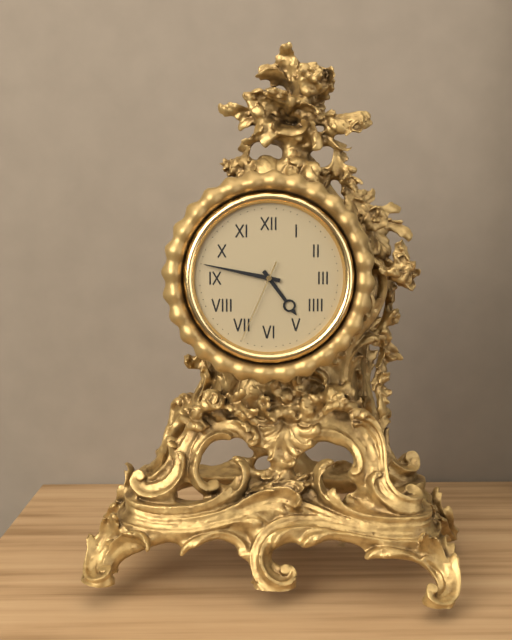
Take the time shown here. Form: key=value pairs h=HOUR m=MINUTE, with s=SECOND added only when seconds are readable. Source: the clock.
h=4 m=47 s=34
